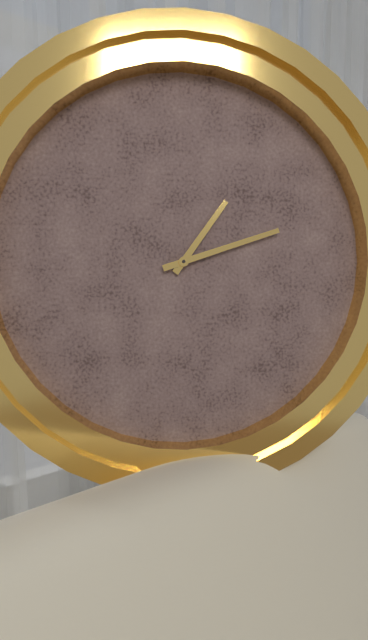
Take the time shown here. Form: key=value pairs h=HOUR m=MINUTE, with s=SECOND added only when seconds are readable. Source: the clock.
h=1 m=12
